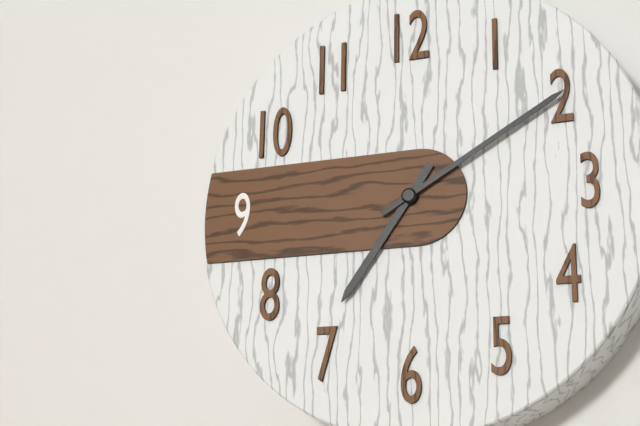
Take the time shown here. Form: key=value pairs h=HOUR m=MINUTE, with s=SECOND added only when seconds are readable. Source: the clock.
h=7 m=10
